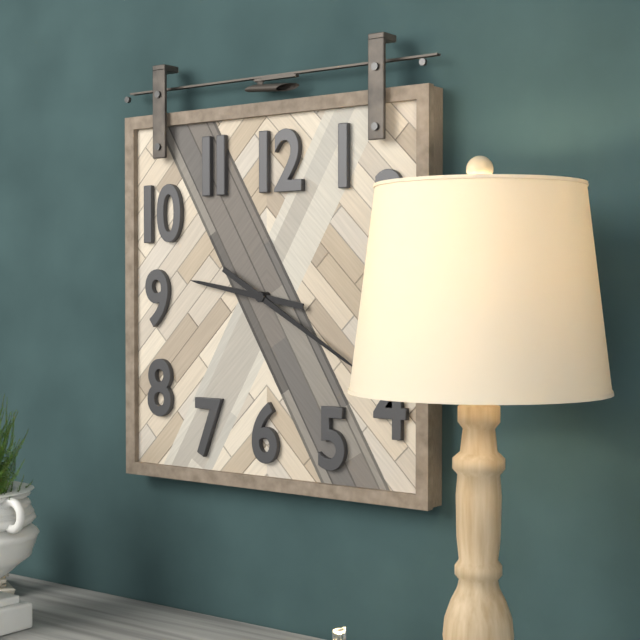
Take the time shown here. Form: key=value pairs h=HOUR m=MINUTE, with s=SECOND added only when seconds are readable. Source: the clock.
h=9 m=20
